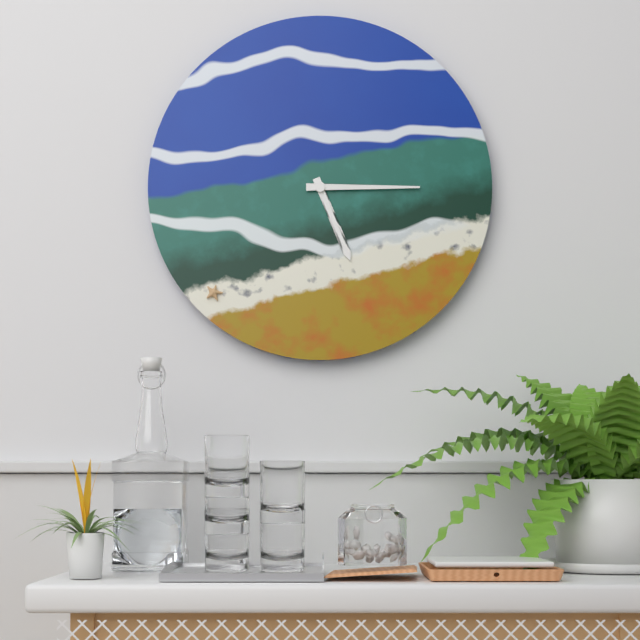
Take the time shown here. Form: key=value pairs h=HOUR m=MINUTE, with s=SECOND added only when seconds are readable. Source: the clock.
h=5 m=15
